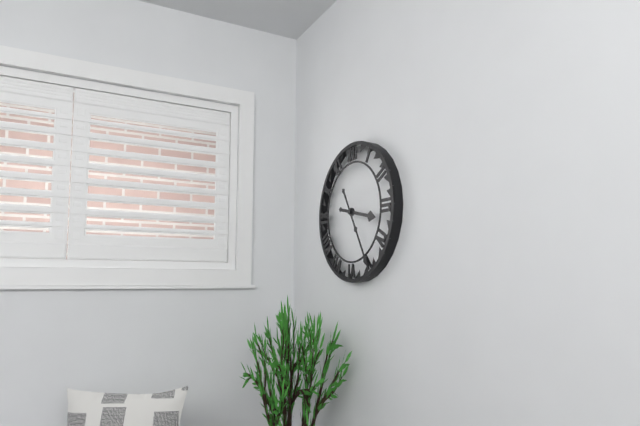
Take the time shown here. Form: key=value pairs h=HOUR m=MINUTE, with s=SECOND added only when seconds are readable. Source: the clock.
h=3 m=25
